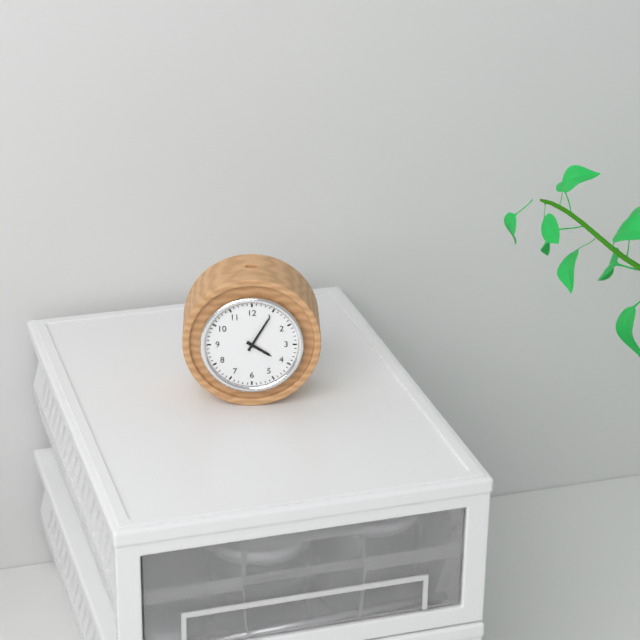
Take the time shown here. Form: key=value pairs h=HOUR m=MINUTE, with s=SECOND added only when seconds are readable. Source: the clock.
h=4 m=5
